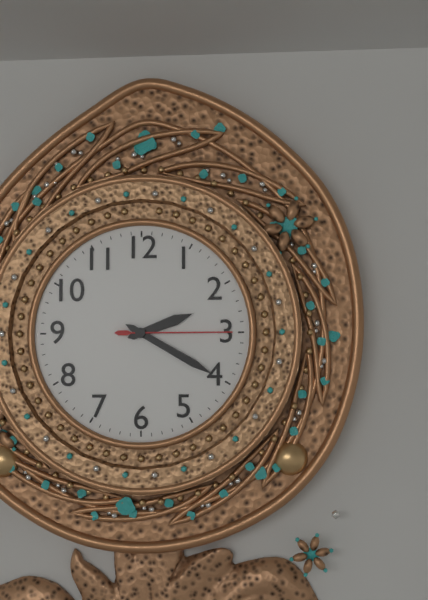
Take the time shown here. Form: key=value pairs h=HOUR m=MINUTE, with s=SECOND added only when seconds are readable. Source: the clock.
h=2 m=20 s=15
